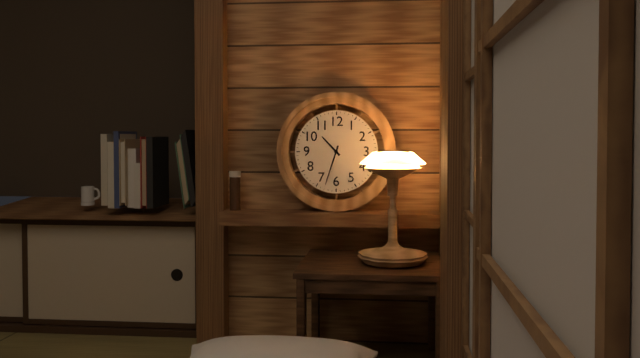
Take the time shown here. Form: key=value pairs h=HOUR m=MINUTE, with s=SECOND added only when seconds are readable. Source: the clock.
h=10 m=33
